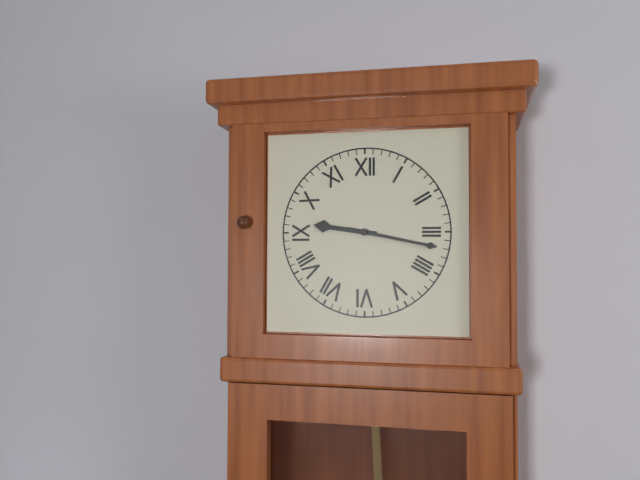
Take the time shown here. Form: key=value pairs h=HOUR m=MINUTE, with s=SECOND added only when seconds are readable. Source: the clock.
h=9 m=17
